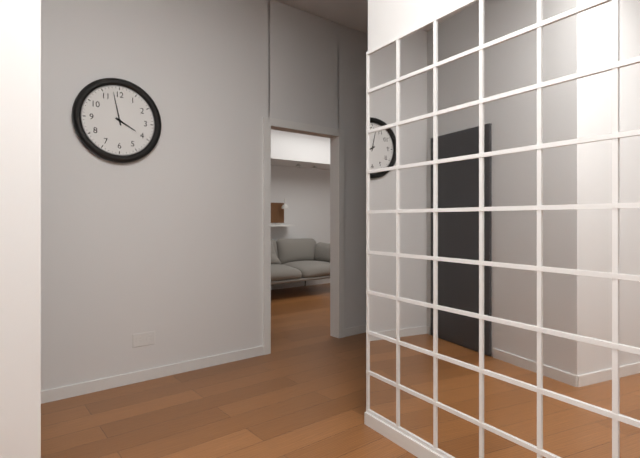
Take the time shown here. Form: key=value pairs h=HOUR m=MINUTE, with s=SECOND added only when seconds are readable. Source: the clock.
h=3 m=58
